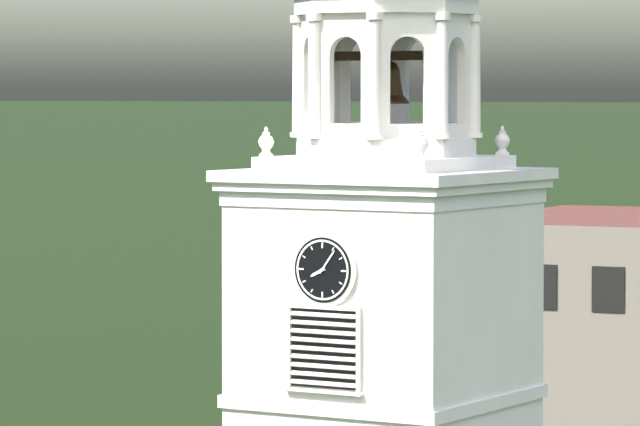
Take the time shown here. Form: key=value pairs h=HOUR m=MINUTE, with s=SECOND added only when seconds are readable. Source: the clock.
h=8 m=6
